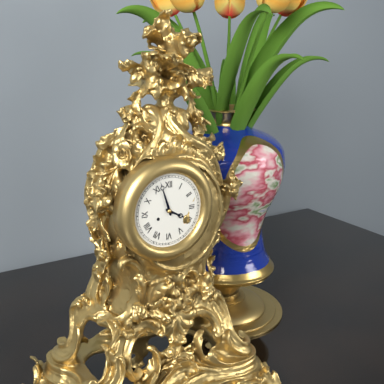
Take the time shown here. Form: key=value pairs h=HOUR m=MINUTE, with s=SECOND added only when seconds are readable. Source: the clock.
h=3 m=57
